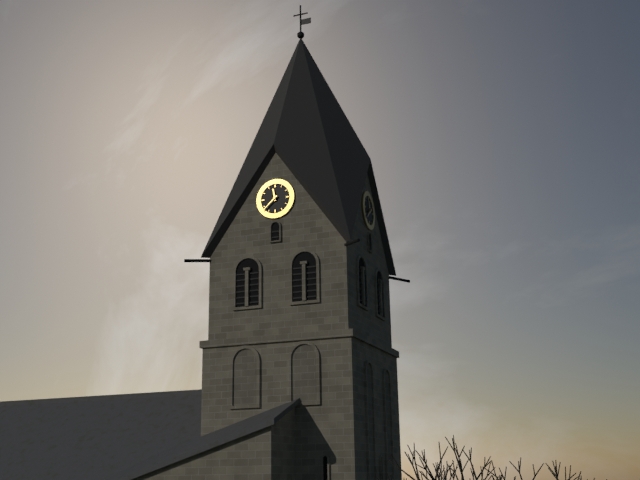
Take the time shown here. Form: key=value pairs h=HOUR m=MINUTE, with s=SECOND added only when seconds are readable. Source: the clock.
h=11 m=38
